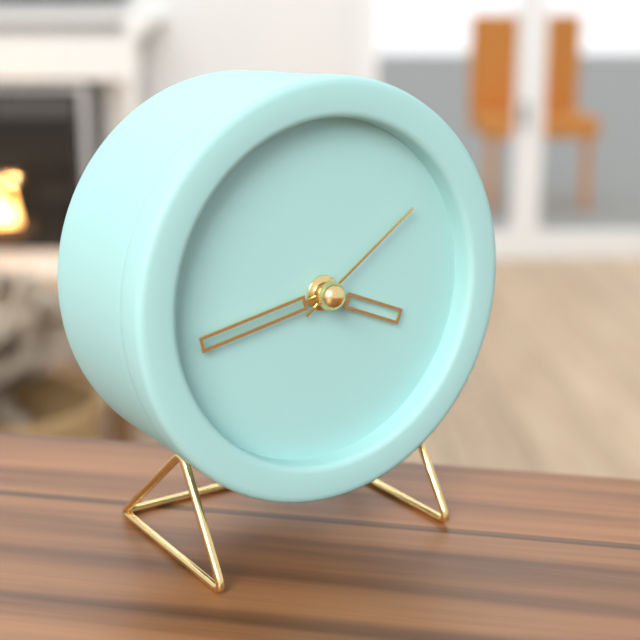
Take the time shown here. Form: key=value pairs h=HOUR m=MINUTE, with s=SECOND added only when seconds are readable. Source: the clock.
h=3 m=43 s=9
